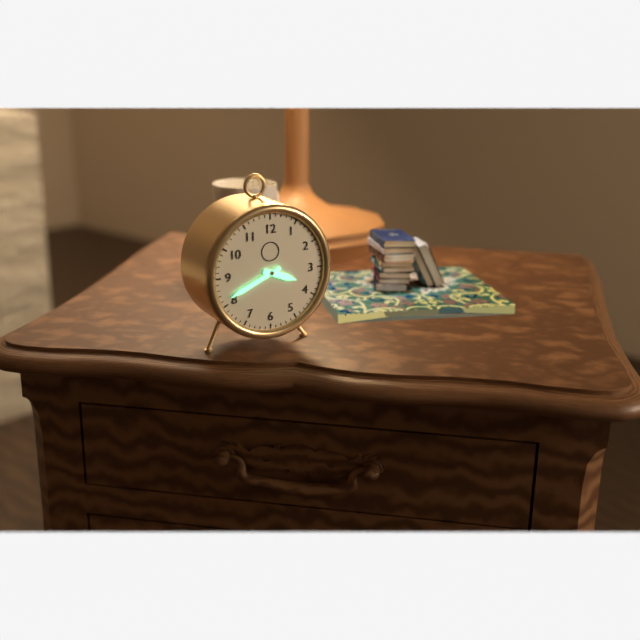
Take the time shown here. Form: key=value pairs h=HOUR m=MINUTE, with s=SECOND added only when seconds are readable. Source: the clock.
h=3 m=41
